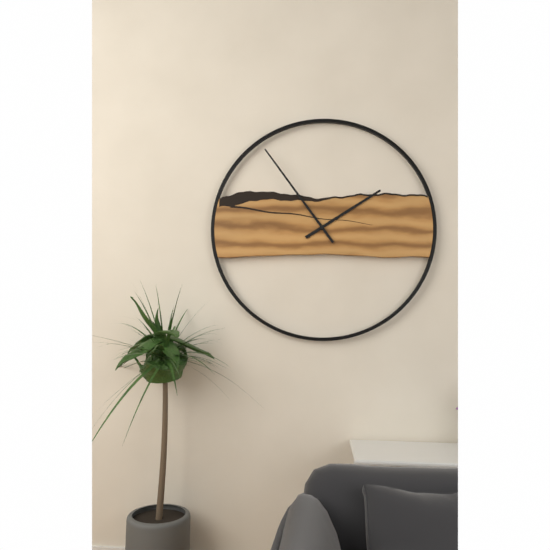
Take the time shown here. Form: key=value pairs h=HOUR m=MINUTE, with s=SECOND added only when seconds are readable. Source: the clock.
h=1 m=54
